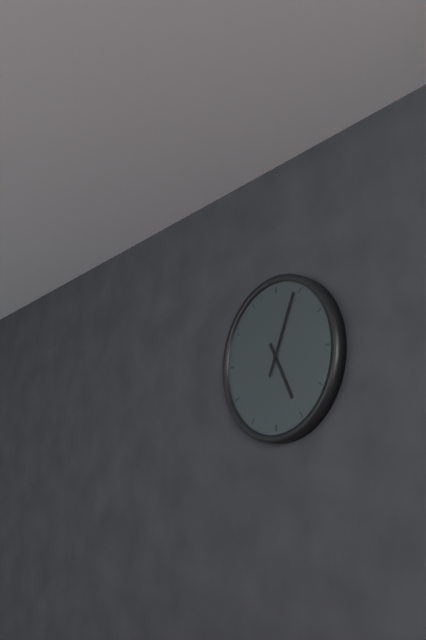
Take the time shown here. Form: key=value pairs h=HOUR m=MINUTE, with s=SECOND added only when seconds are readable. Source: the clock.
h=5 m=4
